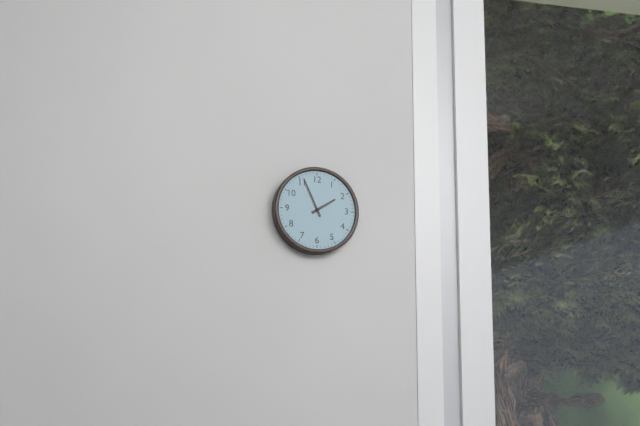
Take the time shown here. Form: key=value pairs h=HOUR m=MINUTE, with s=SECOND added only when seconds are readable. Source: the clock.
h=1 m=56
